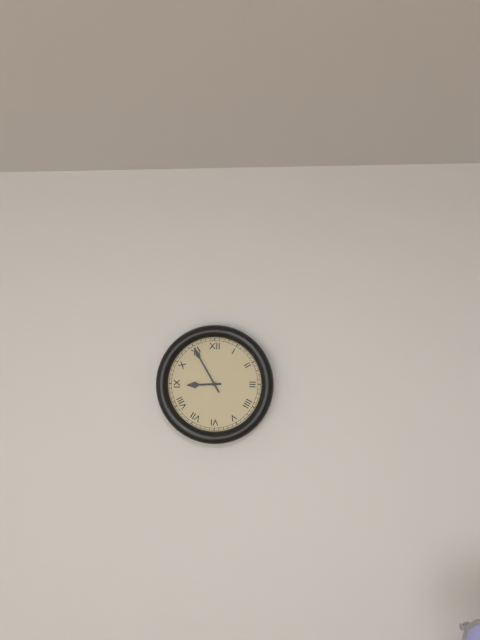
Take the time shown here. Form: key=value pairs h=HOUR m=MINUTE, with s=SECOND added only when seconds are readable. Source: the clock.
h=8 m=55
